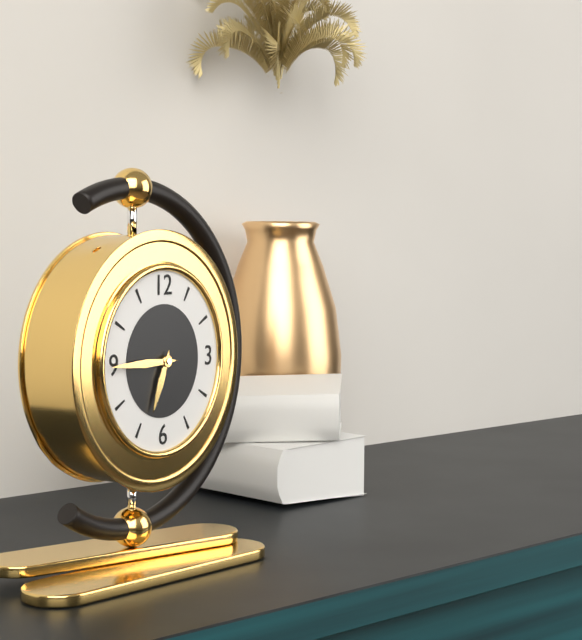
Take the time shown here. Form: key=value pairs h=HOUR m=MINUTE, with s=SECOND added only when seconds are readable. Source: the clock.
h=6 m=45
